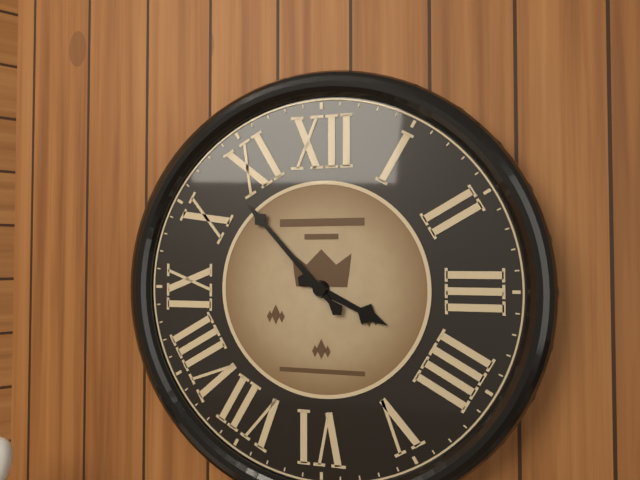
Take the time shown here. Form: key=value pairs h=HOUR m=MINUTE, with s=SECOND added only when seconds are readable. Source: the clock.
h=3 m=53
